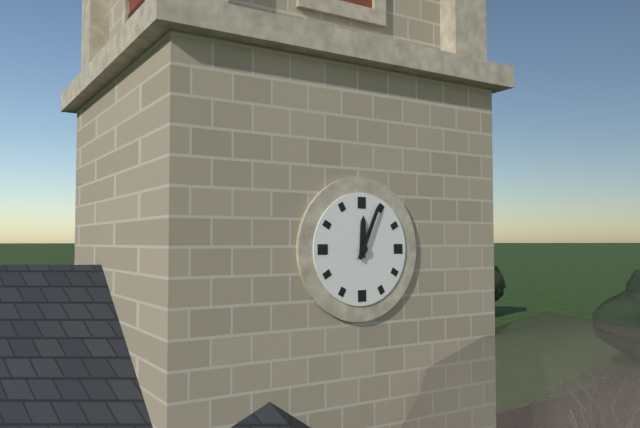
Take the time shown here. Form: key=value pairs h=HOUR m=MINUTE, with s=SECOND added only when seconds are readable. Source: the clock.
h=12 m=4
